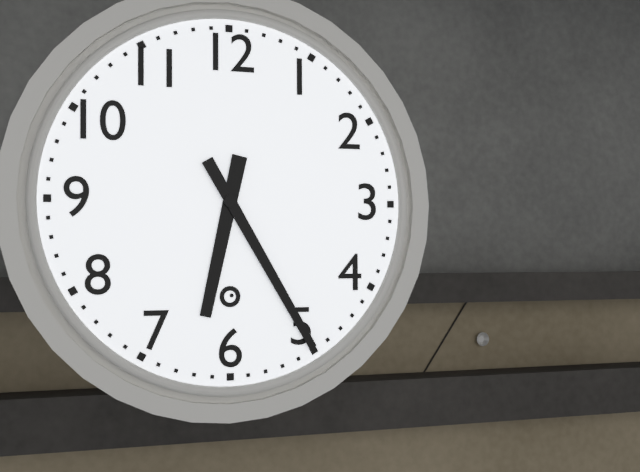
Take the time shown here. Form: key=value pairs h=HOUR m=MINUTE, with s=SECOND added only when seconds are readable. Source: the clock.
h=6 m=25
